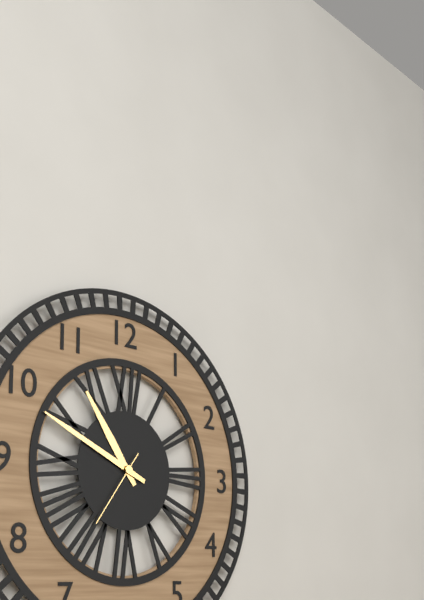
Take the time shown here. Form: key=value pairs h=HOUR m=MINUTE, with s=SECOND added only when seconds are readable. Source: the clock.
h=10 m=49 s=36
